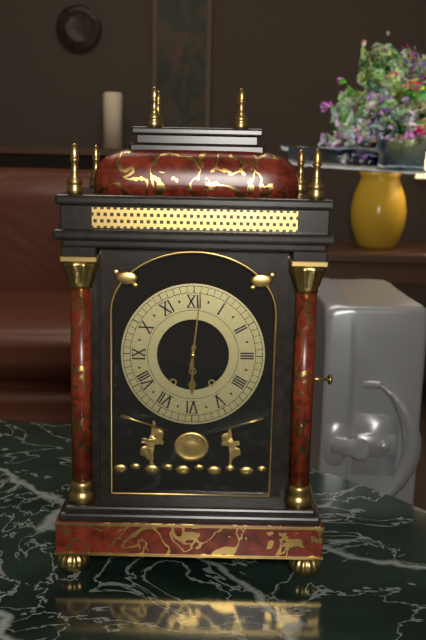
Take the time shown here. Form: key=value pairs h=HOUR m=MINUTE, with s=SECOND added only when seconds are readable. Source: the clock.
h=6 m=1
